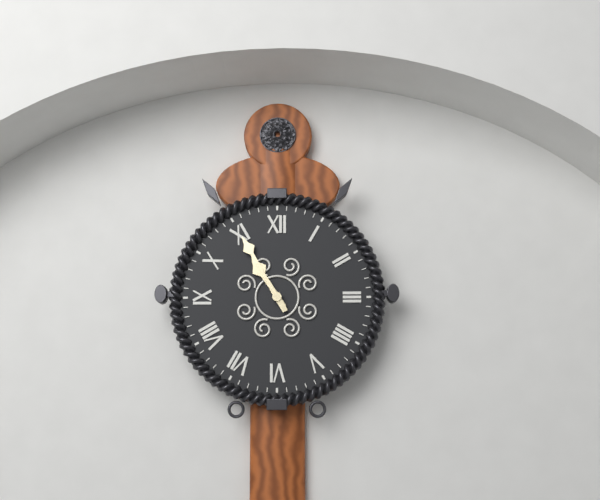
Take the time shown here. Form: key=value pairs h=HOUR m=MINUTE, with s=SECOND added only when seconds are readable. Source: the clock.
h=10 m=55
